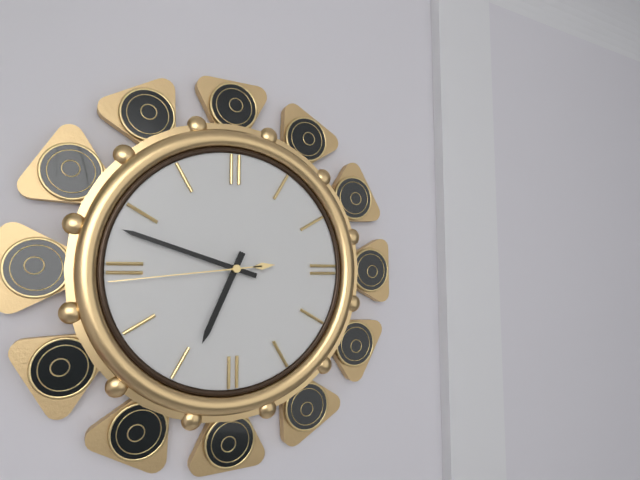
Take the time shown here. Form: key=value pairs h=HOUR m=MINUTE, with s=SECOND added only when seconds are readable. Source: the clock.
h=6 m=48 s=44
